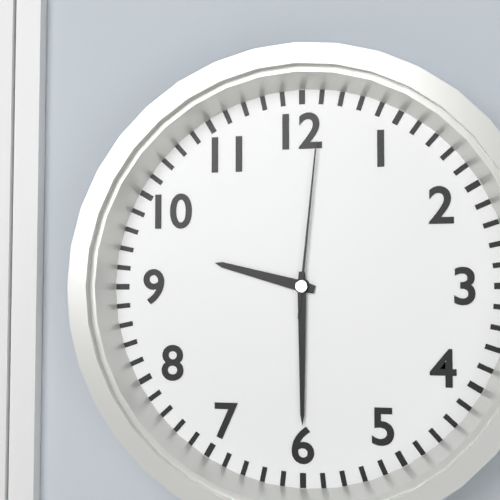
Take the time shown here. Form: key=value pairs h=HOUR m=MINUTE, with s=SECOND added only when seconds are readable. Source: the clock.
h=9 m=30 s=1
